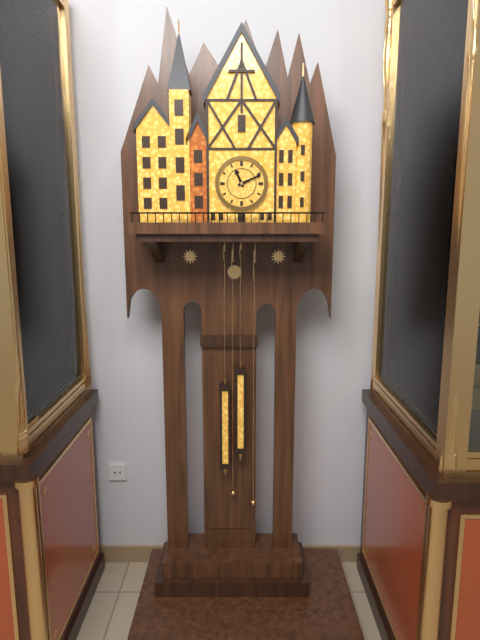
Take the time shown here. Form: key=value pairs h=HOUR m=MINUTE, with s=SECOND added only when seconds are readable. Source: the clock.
h=11 m=11
